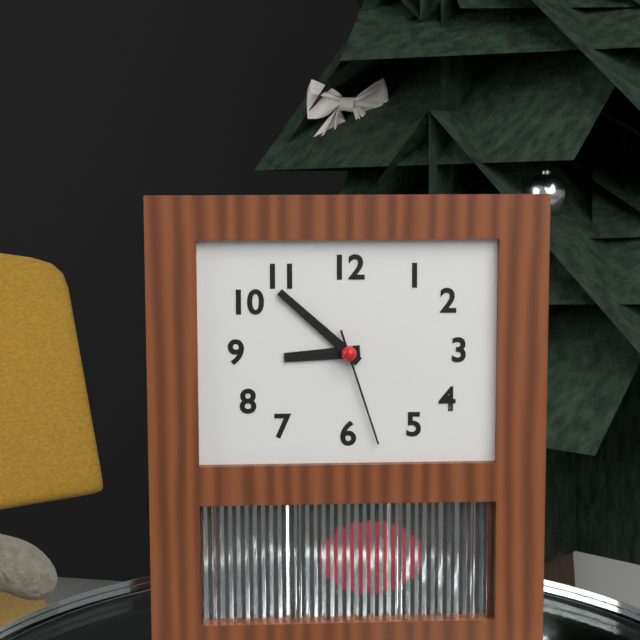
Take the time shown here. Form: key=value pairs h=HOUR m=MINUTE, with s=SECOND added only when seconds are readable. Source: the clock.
h=8 m=52 s=27
